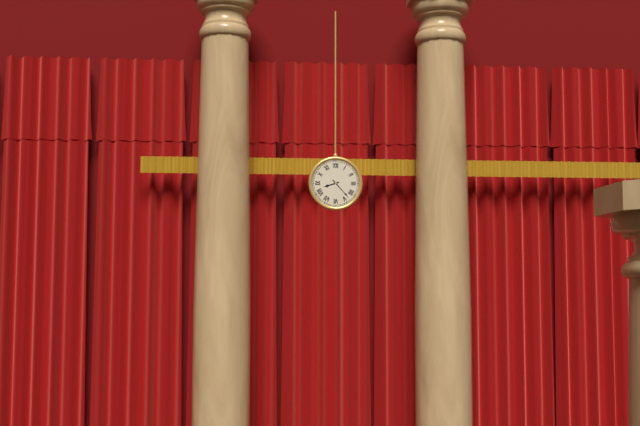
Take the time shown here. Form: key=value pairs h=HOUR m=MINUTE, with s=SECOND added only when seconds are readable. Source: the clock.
h=8 m=23
